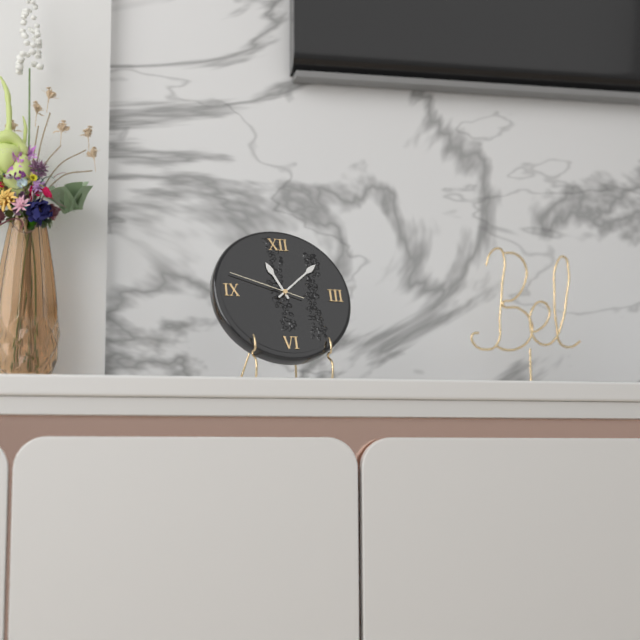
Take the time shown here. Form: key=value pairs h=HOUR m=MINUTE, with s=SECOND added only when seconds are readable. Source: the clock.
h=11 m=8 s=48
